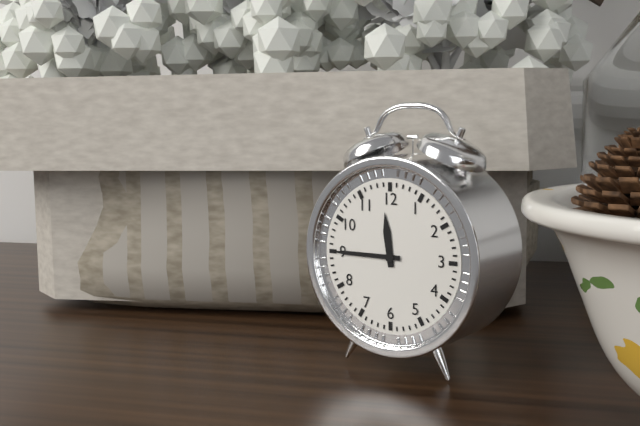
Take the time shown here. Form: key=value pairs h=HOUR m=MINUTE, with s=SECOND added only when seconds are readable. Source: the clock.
h=11 m=45
